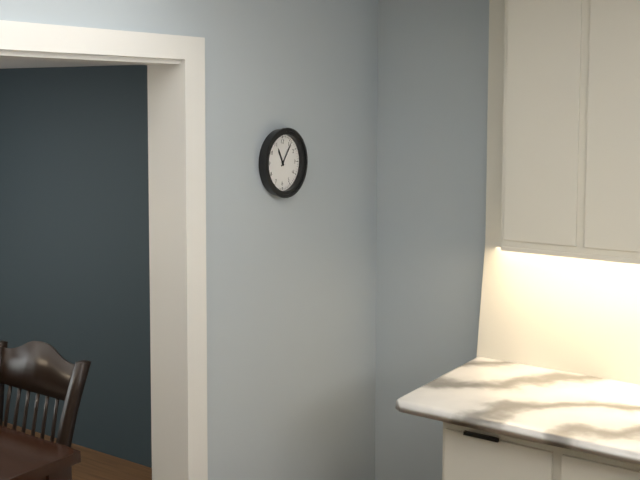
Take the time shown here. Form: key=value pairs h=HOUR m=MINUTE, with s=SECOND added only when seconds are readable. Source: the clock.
h=11 m=6
